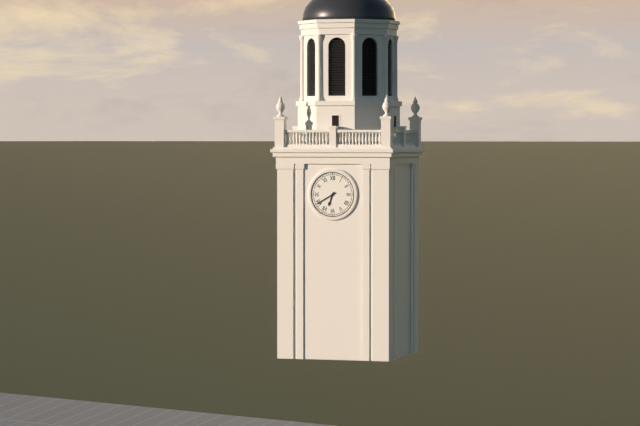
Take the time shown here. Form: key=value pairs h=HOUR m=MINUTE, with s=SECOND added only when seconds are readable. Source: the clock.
h=6 m=40
